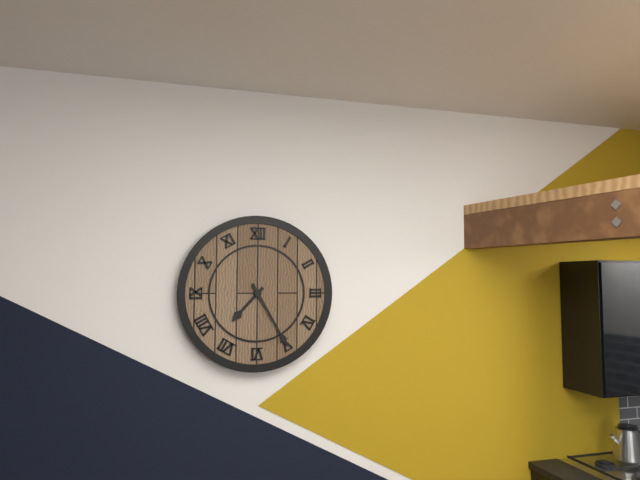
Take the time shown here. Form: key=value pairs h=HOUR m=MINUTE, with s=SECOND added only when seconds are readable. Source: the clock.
h=7 m=25
